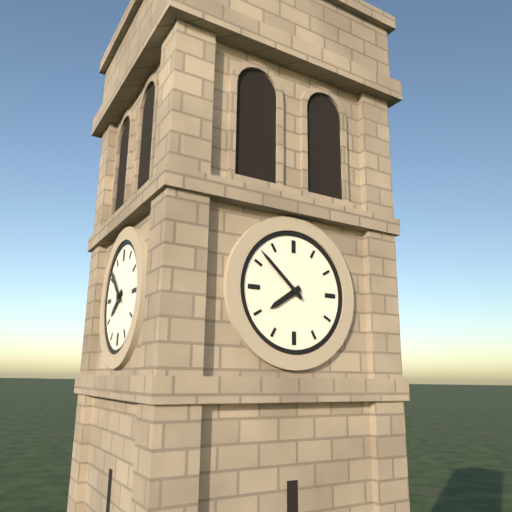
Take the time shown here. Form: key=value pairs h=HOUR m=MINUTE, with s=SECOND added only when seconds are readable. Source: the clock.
h=7 m=52
